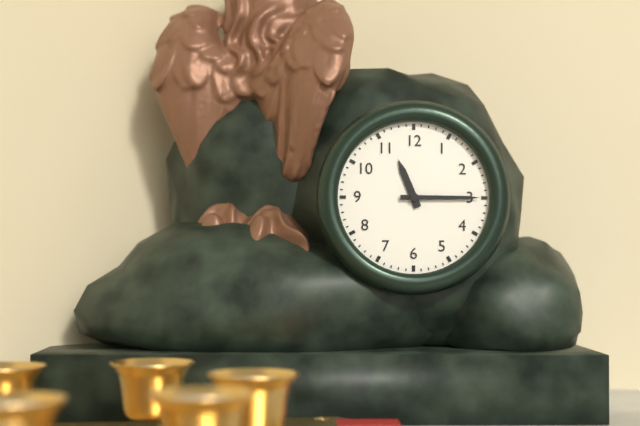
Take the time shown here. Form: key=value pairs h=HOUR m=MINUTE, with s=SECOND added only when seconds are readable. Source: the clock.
h=11 m=15
